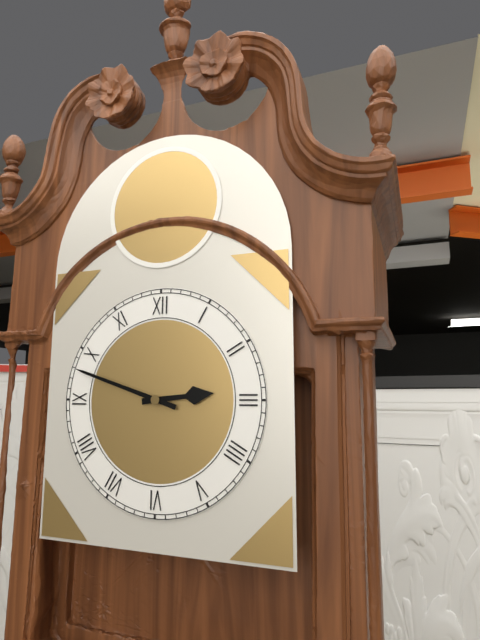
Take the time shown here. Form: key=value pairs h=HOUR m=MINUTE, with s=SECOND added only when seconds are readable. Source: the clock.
h=2 m=48
